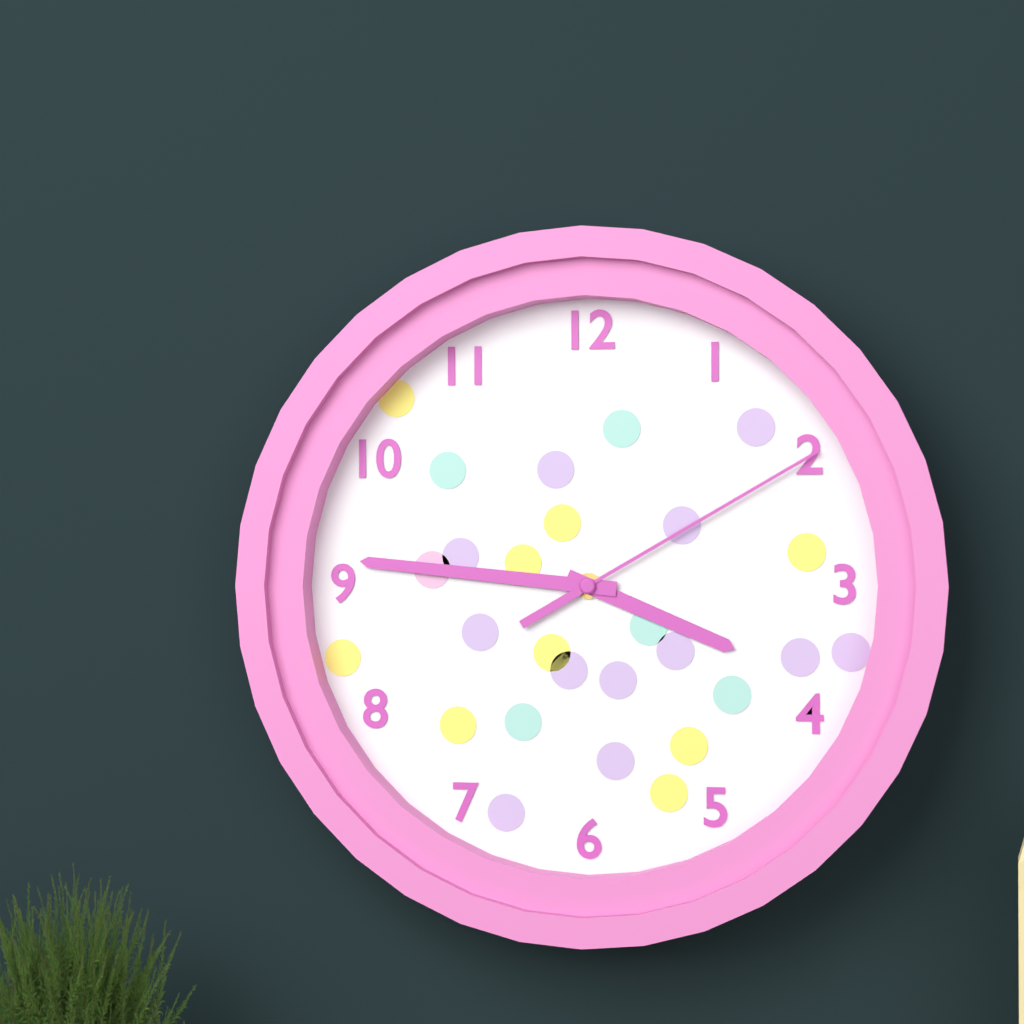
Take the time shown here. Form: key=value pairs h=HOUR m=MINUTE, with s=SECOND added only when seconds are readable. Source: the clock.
h=3 m=46 s=10
